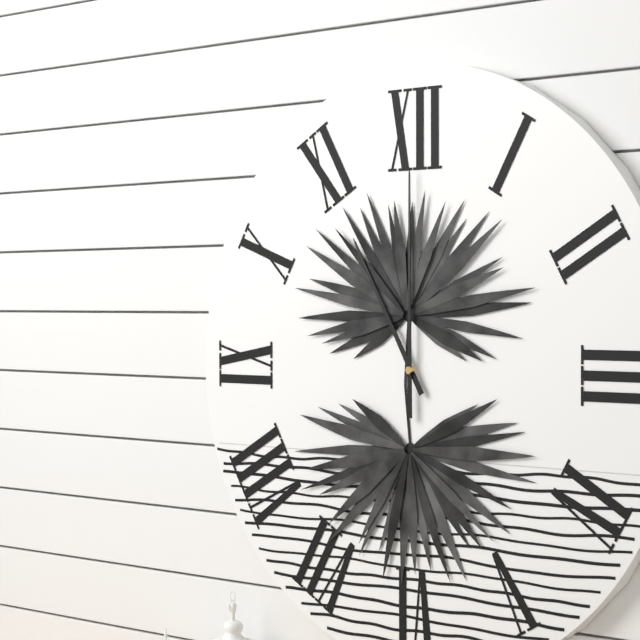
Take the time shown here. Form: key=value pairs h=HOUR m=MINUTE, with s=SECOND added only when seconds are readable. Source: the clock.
h=11 m=0
